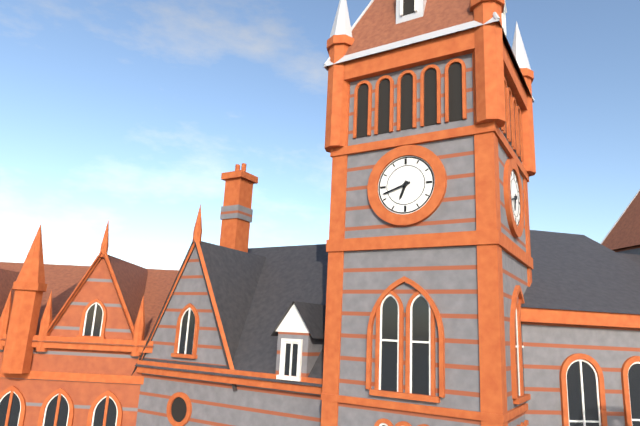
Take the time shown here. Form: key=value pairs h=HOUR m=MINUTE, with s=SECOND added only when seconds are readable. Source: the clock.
h=6 m=42
